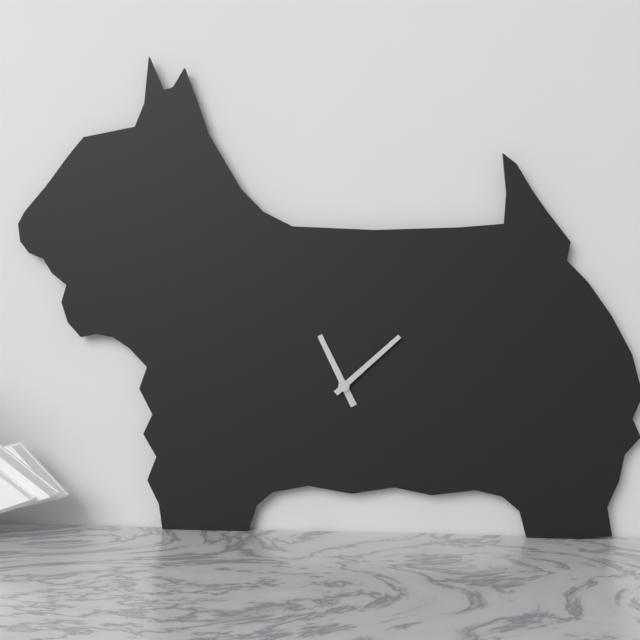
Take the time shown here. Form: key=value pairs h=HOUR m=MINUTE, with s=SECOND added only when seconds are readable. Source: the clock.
h=11 m=8
